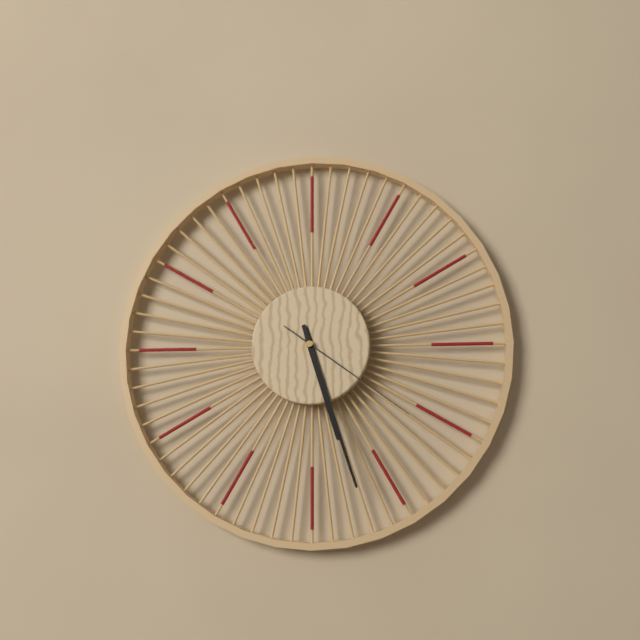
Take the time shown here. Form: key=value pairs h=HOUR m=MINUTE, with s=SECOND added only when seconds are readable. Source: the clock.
h=5 m=27 s=21
